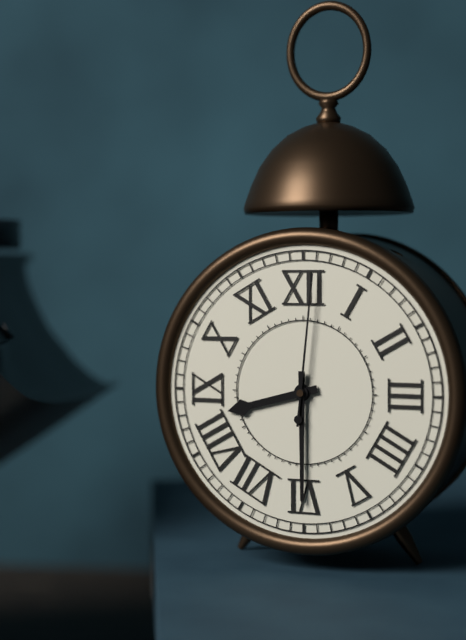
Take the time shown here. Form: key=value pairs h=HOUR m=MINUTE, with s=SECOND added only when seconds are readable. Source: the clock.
h=8 m=30 s=1
